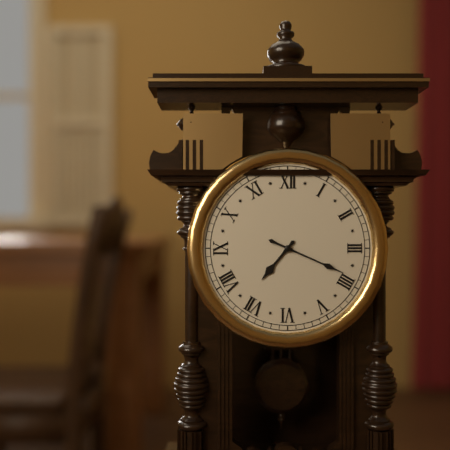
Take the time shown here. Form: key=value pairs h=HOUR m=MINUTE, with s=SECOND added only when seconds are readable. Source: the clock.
h=7 m=19
